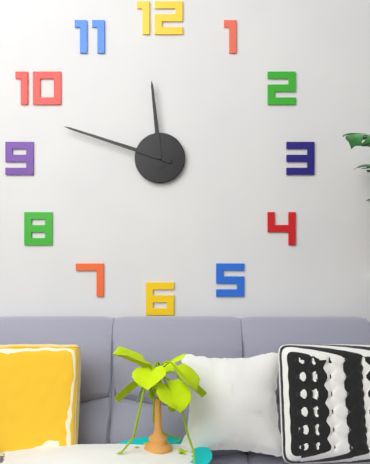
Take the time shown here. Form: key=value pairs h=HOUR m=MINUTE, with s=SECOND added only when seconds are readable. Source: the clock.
h=11 m=48
